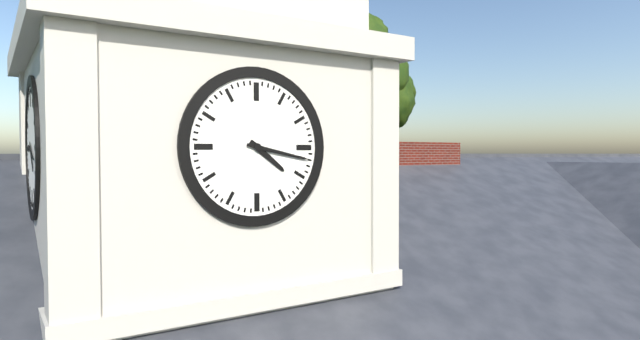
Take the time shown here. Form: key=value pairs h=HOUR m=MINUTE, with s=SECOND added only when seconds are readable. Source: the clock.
h=4 m=17
